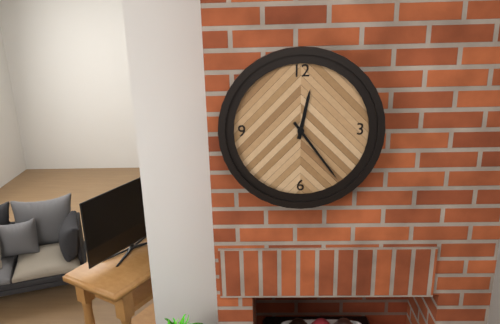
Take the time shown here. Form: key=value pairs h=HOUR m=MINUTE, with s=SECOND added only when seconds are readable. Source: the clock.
h=12 m=24
